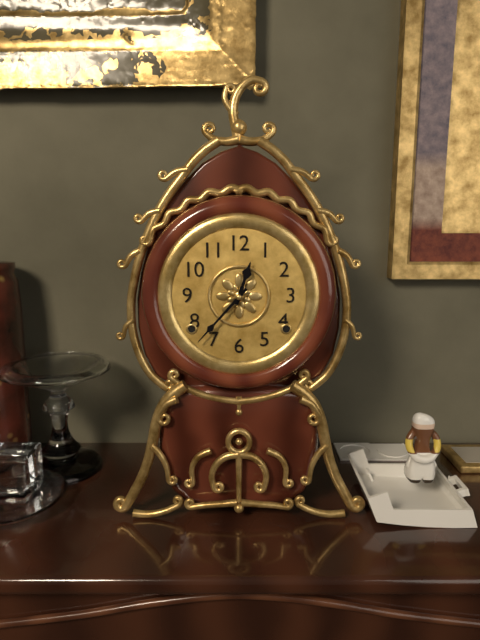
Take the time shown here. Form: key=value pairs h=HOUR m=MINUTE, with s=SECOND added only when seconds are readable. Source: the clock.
h=12 m=37
